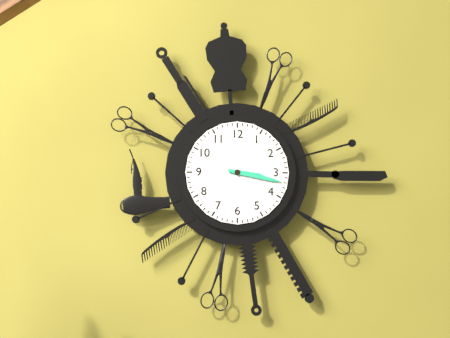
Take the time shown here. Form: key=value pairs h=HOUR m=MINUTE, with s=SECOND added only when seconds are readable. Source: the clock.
h=3 m=17
